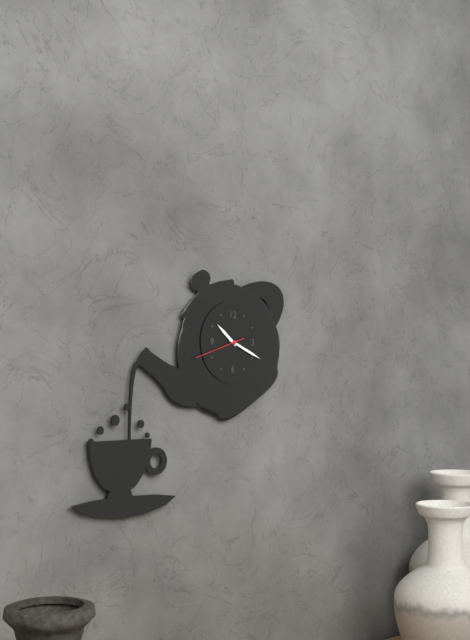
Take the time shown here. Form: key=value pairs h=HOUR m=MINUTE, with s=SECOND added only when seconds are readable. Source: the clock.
h=10 m=19 s=42
